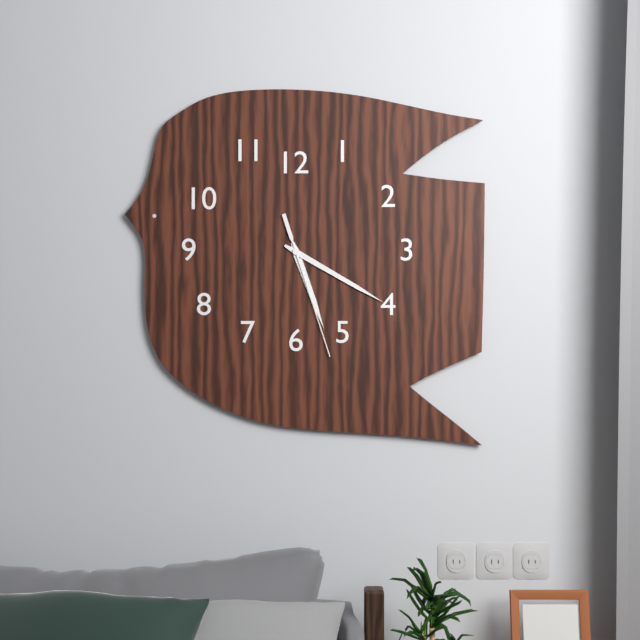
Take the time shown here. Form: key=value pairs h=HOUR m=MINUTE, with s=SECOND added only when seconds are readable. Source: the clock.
h=5 m=20 s=27
